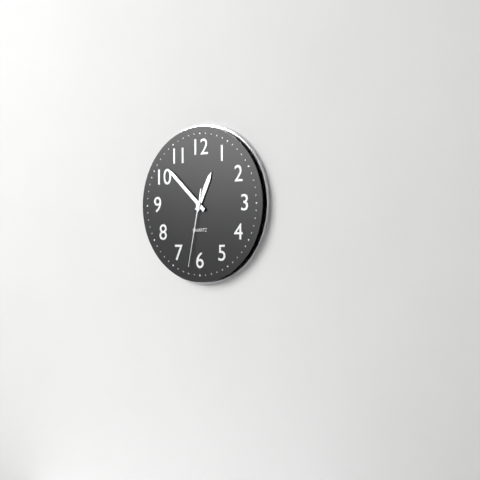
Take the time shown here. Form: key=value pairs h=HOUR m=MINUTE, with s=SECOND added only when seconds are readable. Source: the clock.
h=12 m=52 s=32
